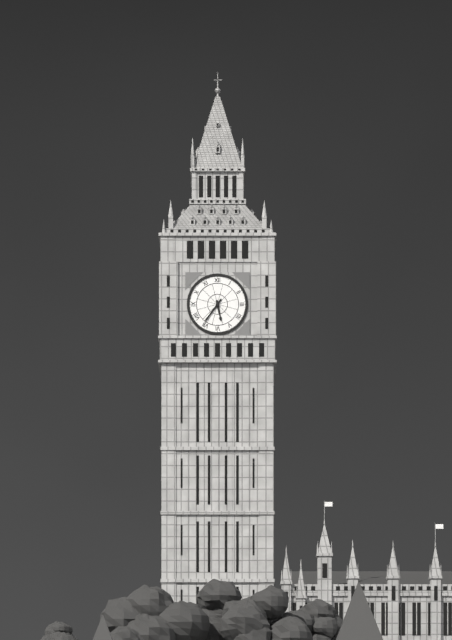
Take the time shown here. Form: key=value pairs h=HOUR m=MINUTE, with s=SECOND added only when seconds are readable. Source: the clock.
h=5 m=36
